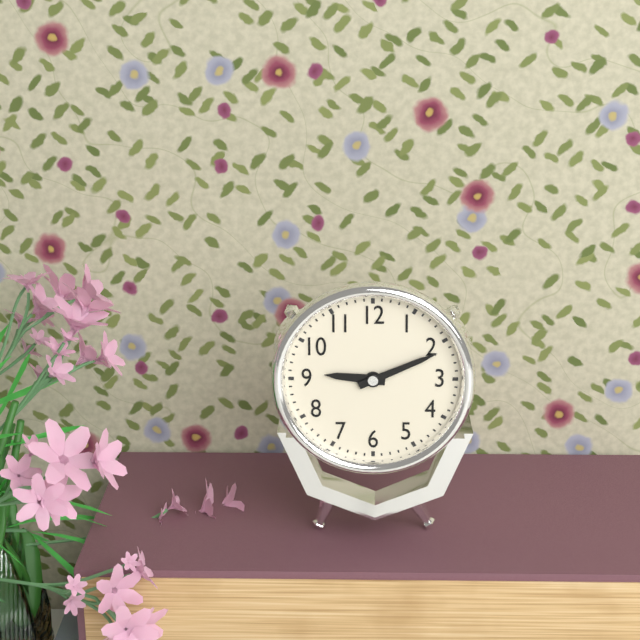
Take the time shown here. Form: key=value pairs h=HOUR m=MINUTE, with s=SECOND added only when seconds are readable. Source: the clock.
h=9 m=11
